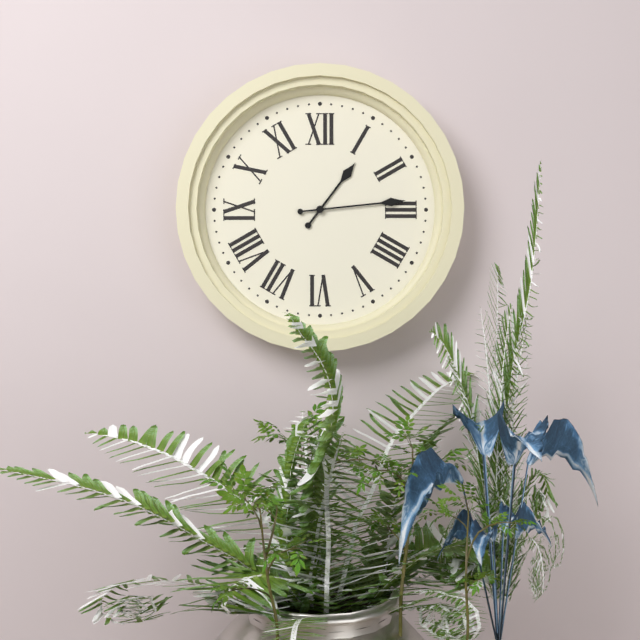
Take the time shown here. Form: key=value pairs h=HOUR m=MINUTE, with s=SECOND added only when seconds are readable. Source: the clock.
h=1 m=14
